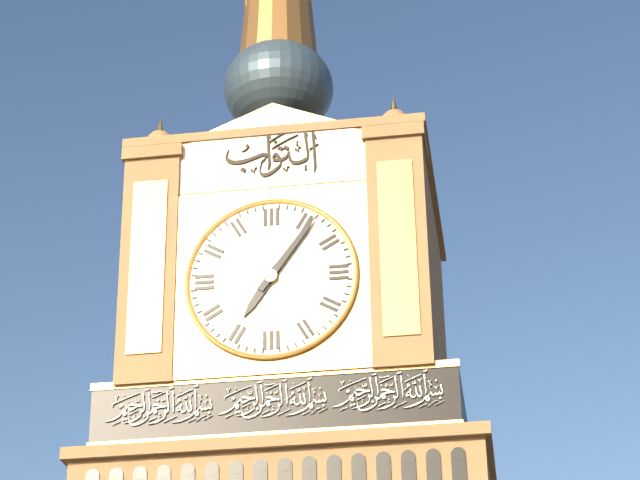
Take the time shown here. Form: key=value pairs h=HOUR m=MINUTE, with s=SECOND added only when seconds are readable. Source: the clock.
h=7 m=6
